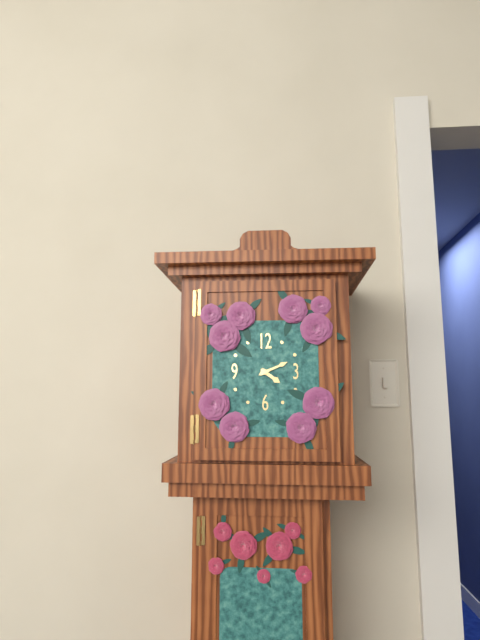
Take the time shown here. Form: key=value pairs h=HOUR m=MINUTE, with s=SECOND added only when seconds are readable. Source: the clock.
h=4 m=11
